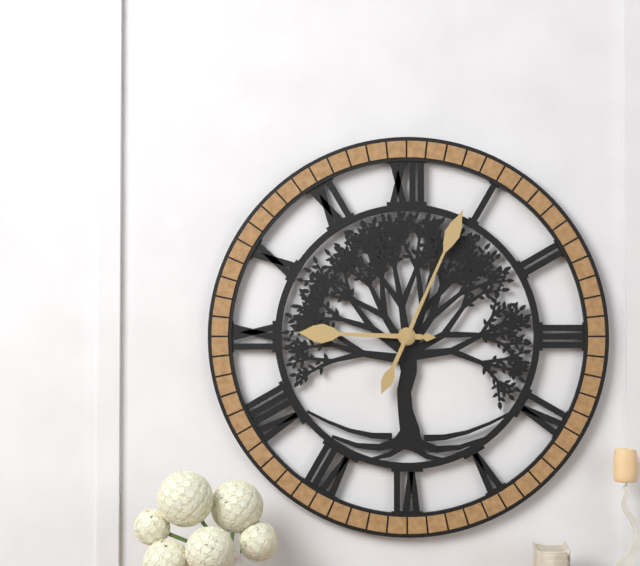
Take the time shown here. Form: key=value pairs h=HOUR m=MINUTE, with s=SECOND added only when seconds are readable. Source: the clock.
h=9 m=4
